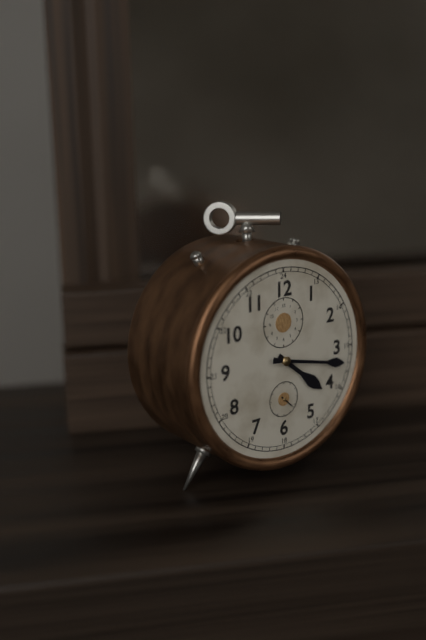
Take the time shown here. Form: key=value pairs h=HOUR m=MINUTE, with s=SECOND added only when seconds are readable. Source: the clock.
h=4 m=17
